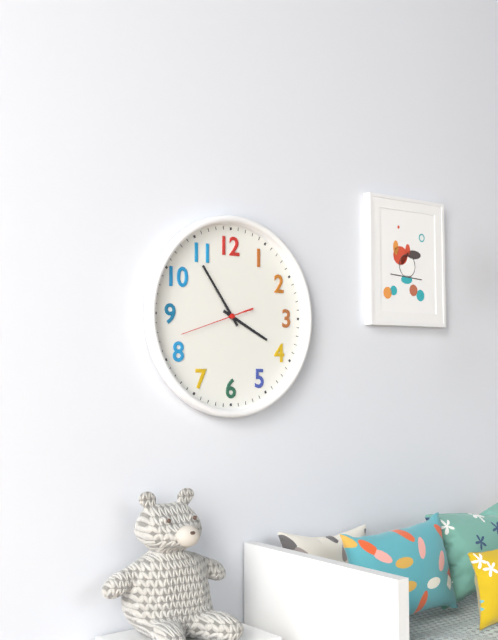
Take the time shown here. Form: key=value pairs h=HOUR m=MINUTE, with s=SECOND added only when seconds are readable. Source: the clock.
h=3 m=54 s=42
